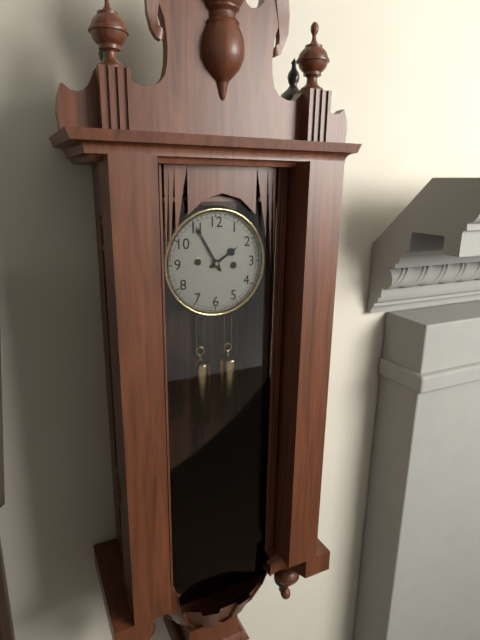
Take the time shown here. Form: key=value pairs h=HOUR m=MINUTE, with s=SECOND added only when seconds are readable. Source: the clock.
h=1 m=55
